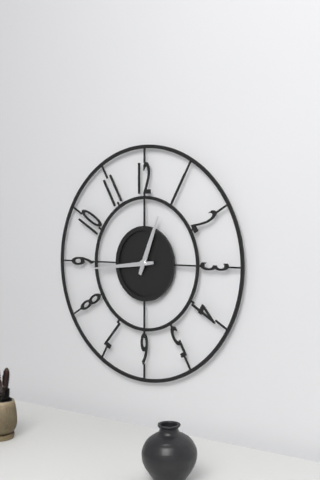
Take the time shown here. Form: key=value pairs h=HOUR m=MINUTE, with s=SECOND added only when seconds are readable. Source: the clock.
h=12 m=44
